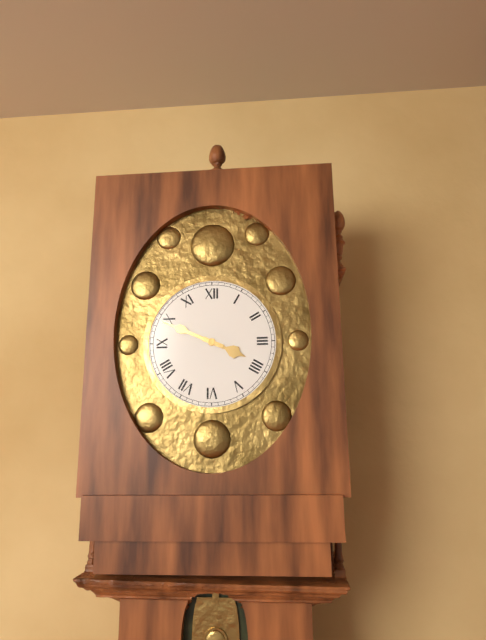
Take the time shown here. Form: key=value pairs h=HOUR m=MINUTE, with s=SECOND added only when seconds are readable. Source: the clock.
h=3 m=49
